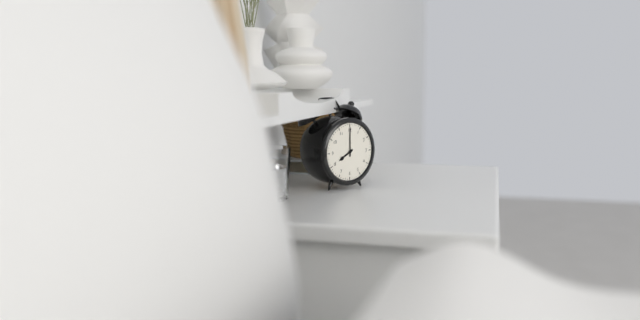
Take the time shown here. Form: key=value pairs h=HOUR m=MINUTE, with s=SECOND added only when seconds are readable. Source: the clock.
h=8 m=0
